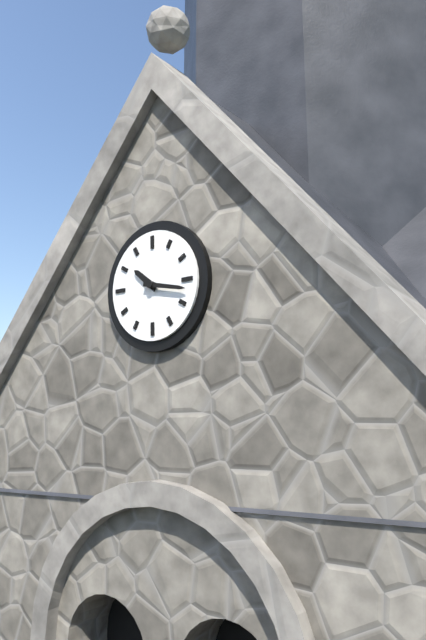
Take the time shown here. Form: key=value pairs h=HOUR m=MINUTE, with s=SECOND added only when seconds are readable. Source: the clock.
h=10 m=17
